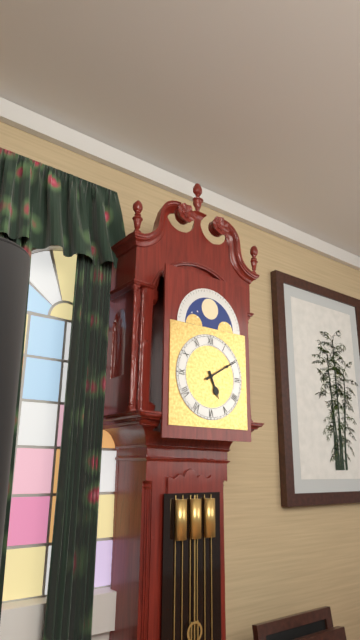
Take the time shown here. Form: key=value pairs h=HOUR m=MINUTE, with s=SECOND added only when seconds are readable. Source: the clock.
h=5 m=10
